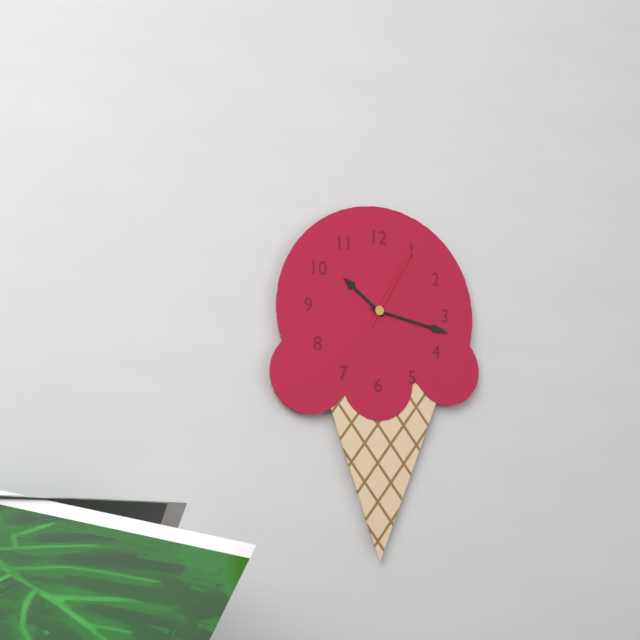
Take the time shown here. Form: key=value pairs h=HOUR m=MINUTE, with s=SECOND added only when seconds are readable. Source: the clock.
h=10 m=17 s=5
